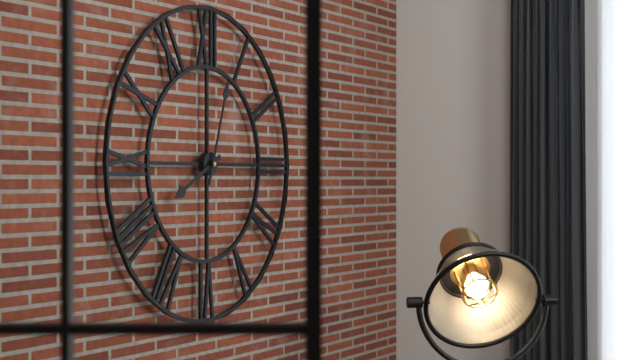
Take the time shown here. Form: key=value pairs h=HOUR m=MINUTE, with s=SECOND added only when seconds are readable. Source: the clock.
h=8 m=3
